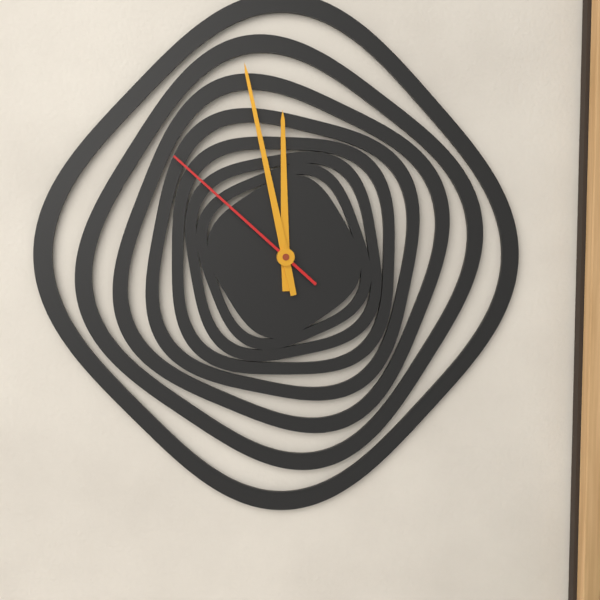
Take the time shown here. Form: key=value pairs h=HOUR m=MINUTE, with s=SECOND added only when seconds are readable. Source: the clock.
h=11 m=58 s=52
